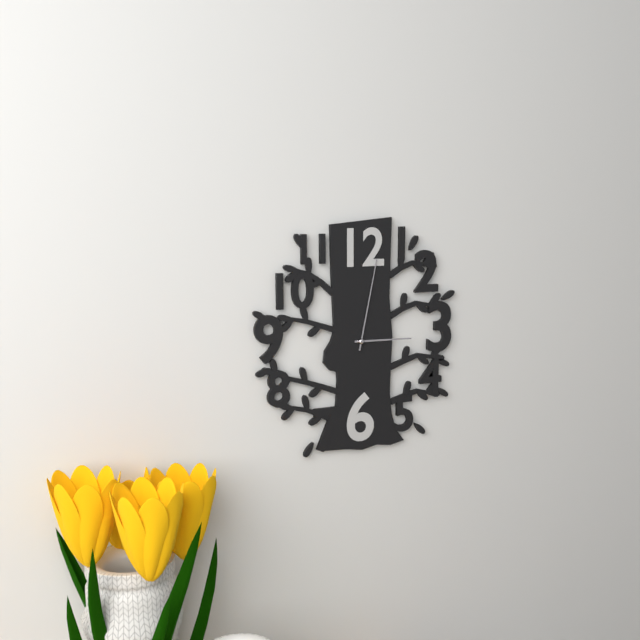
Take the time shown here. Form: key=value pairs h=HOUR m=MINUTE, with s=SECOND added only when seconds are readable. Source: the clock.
h=3 m=2
